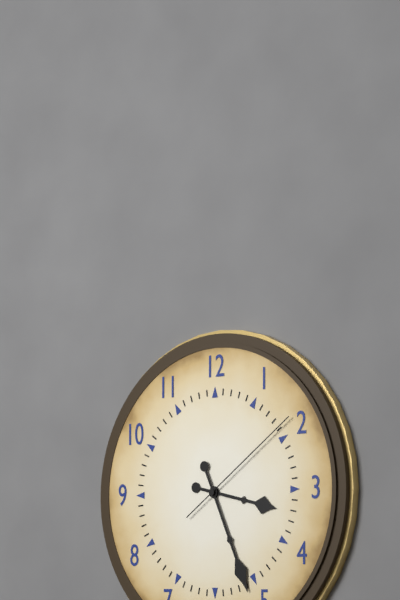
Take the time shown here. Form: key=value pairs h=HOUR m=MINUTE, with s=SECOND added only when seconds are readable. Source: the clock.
h=3 m=26 s=9
